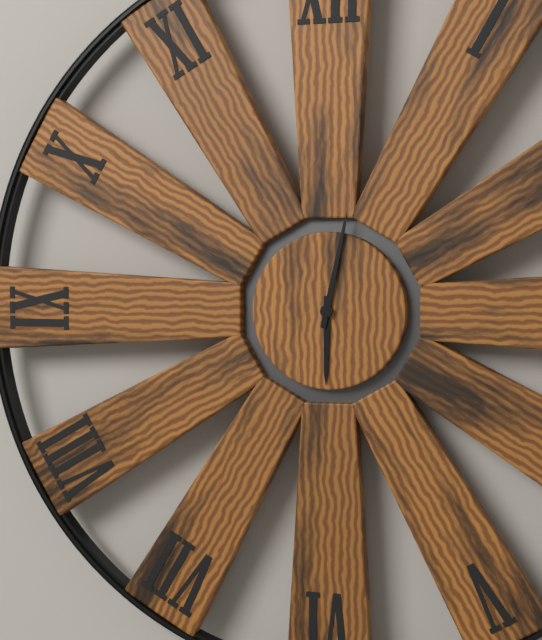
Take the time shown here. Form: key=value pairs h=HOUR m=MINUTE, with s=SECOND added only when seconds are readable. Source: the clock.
h=6 m=2
